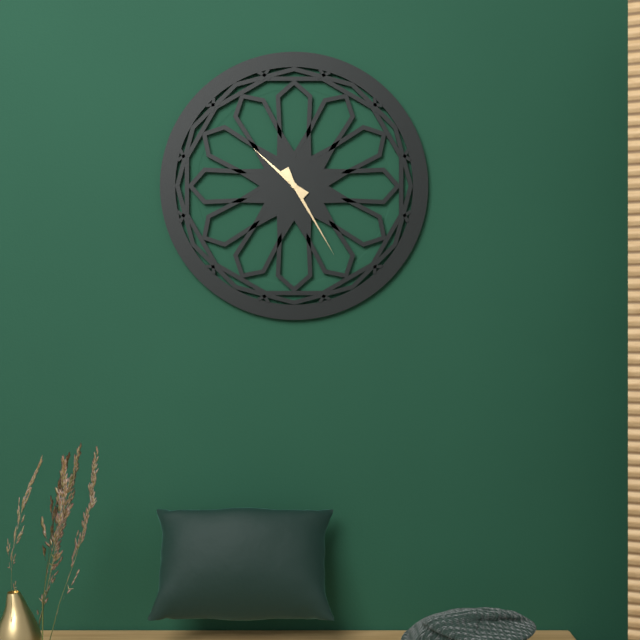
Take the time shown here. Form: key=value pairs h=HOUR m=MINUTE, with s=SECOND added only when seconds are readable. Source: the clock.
h=10 m=25
